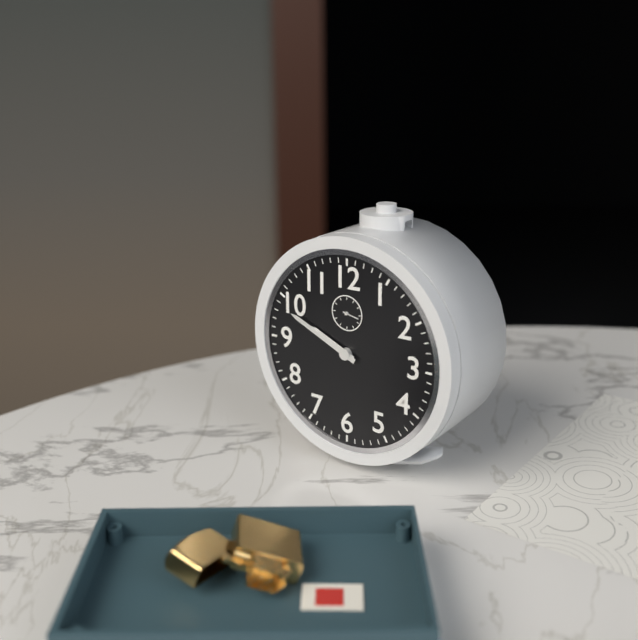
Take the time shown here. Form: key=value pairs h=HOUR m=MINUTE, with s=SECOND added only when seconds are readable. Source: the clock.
h=9 m=49
